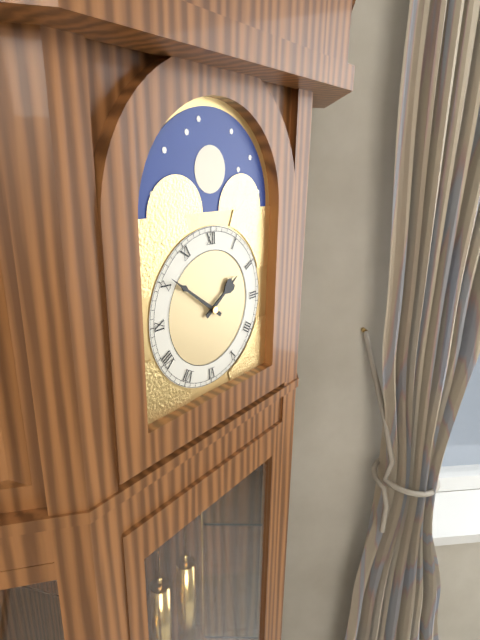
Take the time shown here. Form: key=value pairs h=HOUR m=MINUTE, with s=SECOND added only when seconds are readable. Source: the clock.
h=1 m=51
